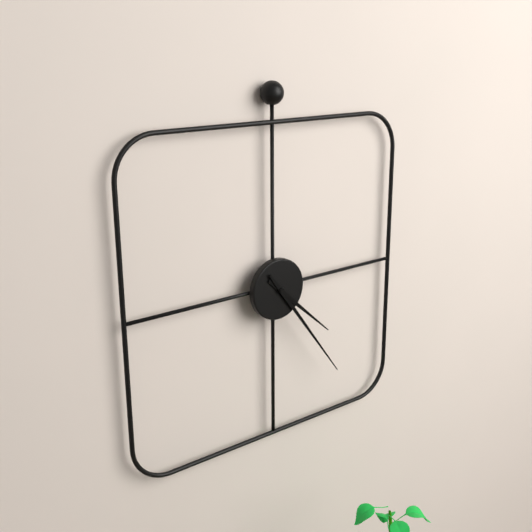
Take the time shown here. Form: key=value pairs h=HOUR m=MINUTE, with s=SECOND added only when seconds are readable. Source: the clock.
h=4 m=24
